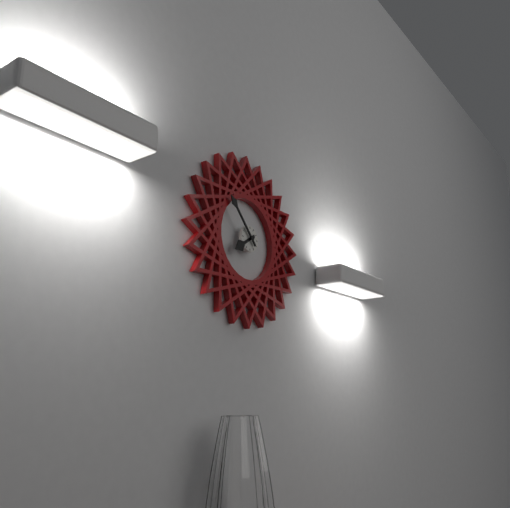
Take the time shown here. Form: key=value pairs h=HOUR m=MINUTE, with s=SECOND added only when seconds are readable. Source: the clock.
h=7 m=53
